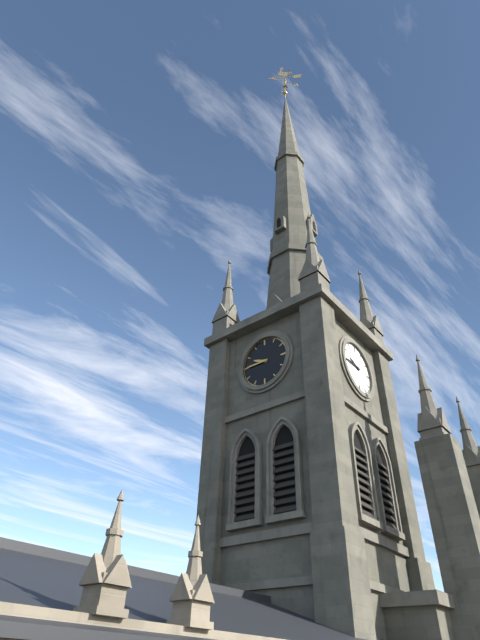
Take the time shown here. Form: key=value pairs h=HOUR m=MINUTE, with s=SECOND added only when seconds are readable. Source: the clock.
h=9 m=45
